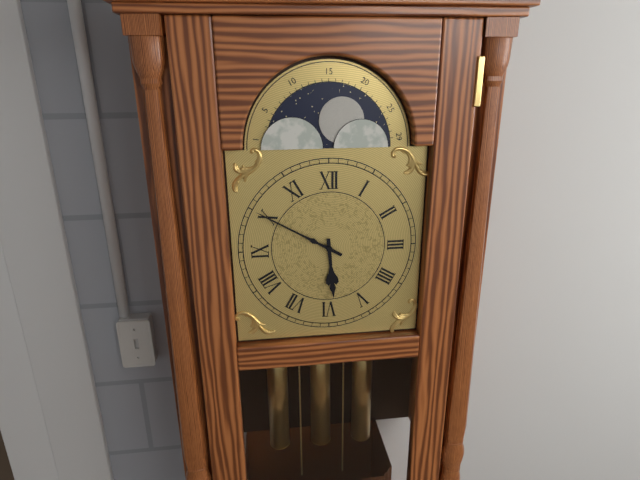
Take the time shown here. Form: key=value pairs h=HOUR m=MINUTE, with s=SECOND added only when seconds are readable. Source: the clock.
h=5 m=50
